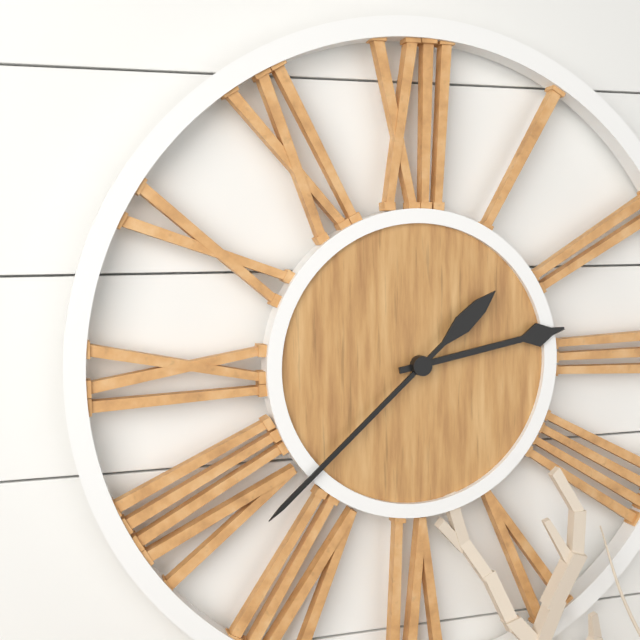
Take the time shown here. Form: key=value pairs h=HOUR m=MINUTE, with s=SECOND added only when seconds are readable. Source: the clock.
h=2 m=38
